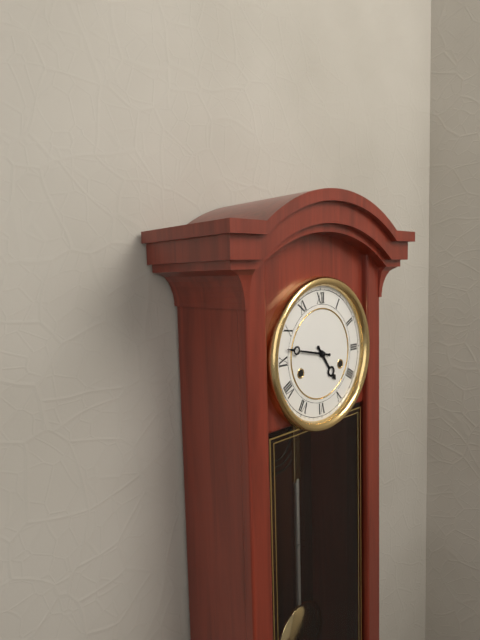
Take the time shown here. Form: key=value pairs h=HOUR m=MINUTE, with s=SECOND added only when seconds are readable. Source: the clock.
h=4 m=47
